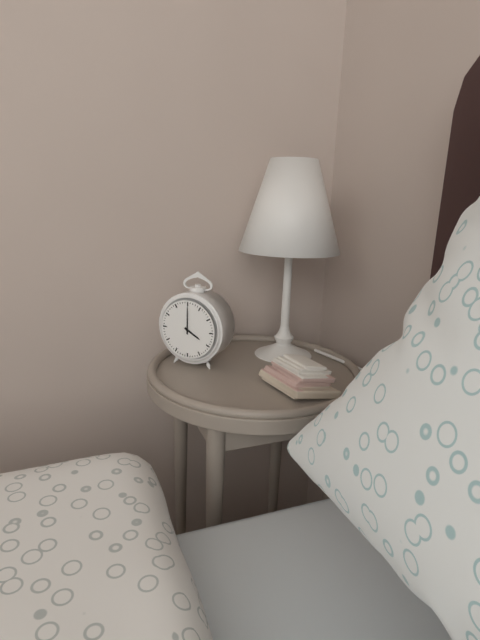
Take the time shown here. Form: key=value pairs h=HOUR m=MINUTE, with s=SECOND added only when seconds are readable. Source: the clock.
h=4 m=0
